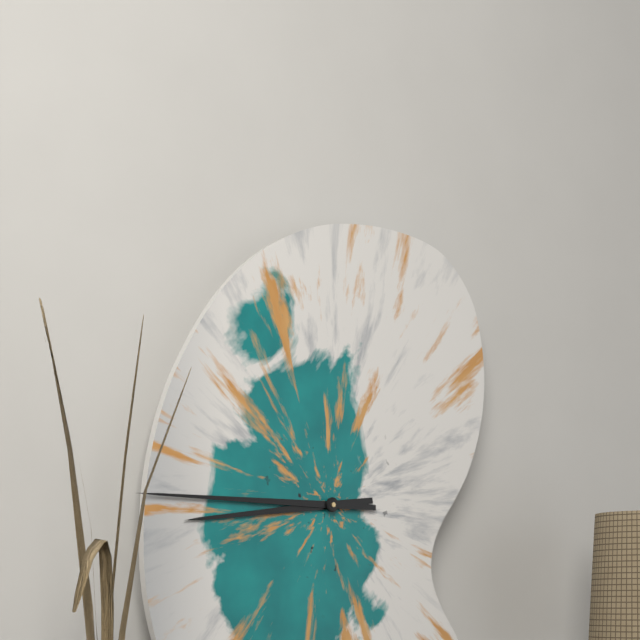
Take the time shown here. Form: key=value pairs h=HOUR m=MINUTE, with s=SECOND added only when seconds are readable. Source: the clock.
h=8 m=45
